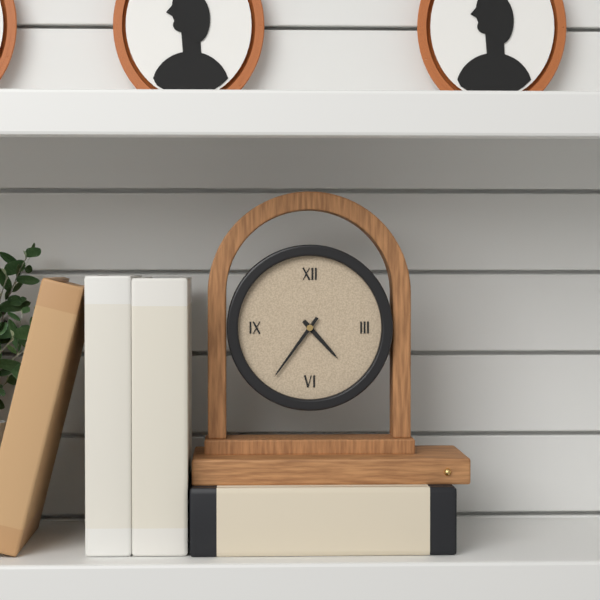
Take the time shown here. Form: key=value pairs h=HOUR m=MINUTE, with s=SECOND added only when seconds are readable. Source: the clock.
h=4 m=36
